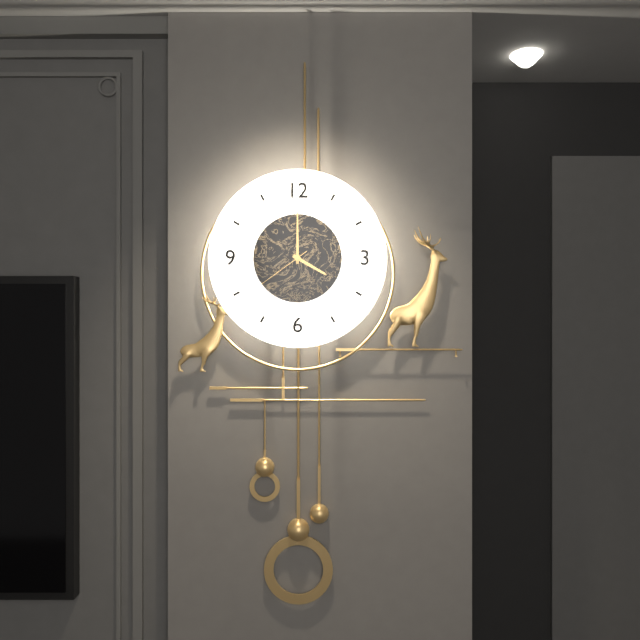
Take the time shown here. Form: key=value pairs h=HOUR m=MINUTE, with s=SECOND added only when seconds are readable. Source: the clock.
h=4 m=0 s=39
